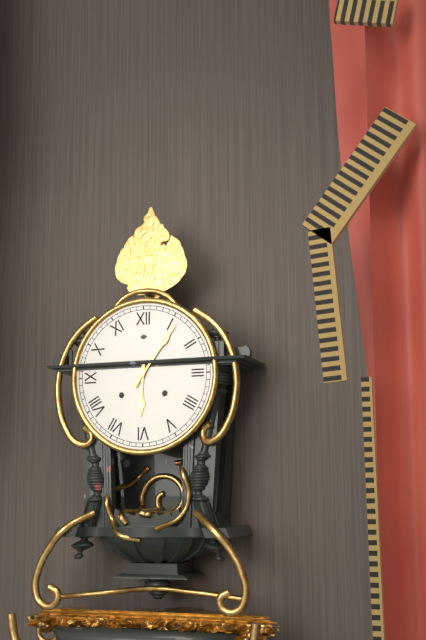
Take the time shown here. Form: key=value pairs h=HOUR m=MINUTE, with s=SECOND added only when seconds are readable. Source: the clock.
h=6 m=6
